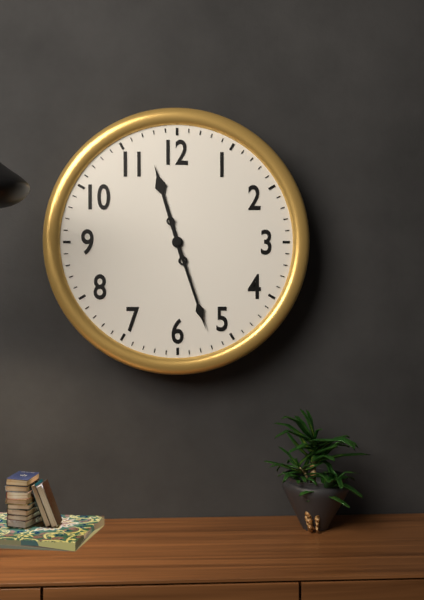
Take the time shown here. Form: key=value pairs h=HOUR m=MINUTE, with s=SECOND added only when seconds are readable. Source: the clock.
h=11 m=27
